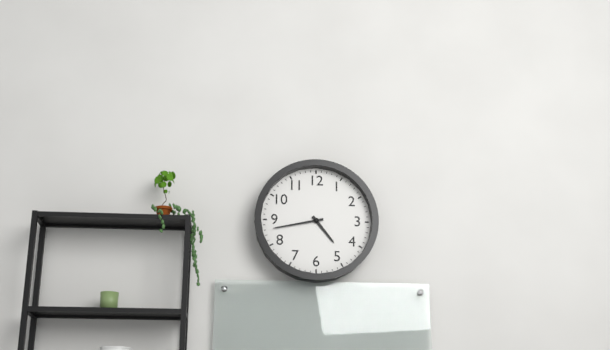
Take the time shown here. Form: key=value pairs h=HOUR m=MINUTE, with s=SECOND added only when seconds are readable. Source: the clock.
h=4 m=43
